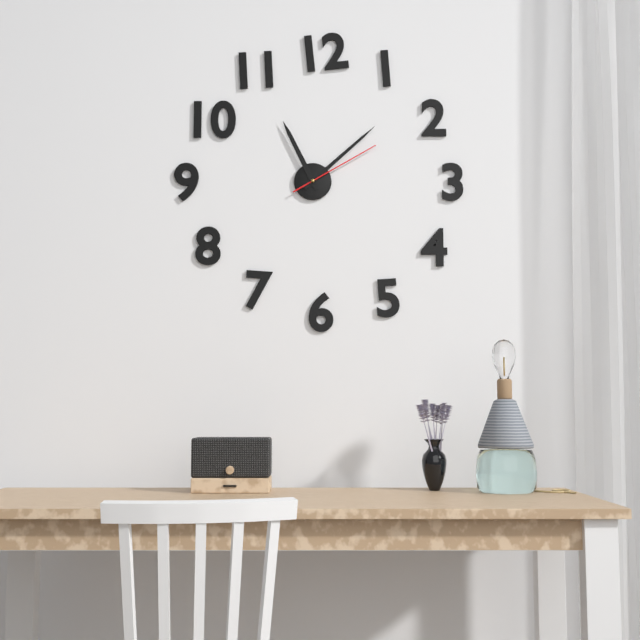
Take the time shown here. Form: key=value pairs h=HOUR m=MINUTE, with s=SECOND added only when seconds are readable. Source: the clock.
h=11 m=8 s=10
